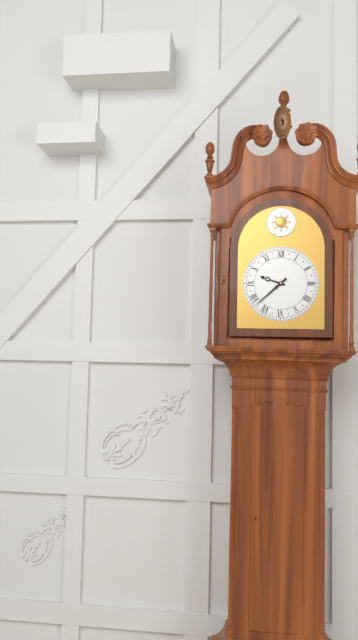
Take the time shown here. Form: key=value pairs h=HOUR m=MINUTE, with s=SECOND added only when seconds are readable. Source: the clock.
h=9 m=38
